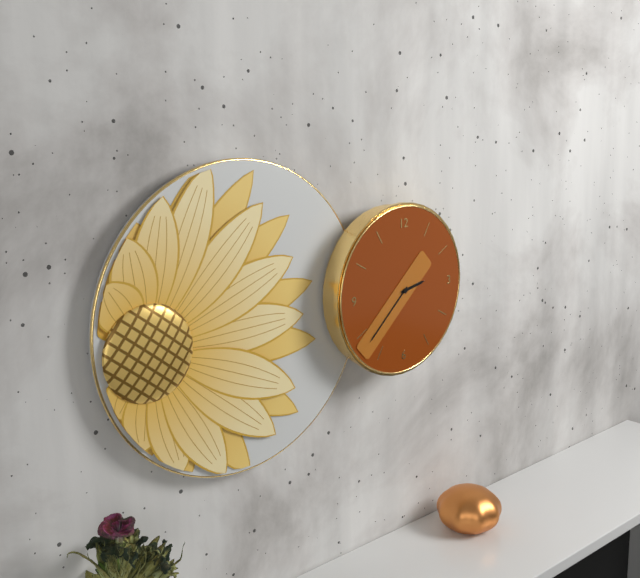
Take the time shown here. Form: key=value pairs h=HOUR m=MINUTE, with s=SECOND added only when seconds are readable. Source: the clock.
h=2 m=38
